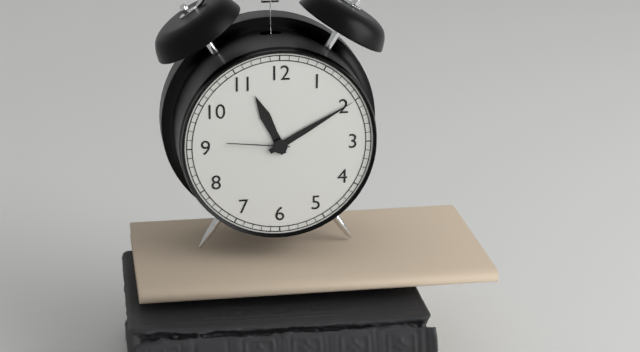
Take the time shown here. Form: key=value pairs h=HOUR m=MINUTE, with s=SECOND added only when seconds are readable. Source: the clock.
h=11 m=10 s=46
